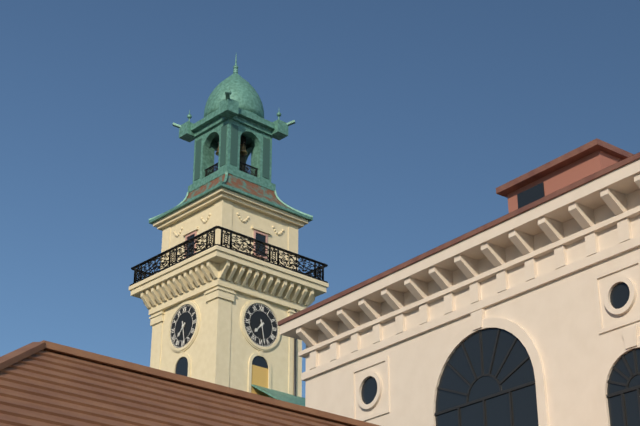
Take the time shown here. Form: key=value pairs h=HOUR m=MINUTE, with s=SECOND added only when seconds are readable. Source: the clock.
h=7 m=28
